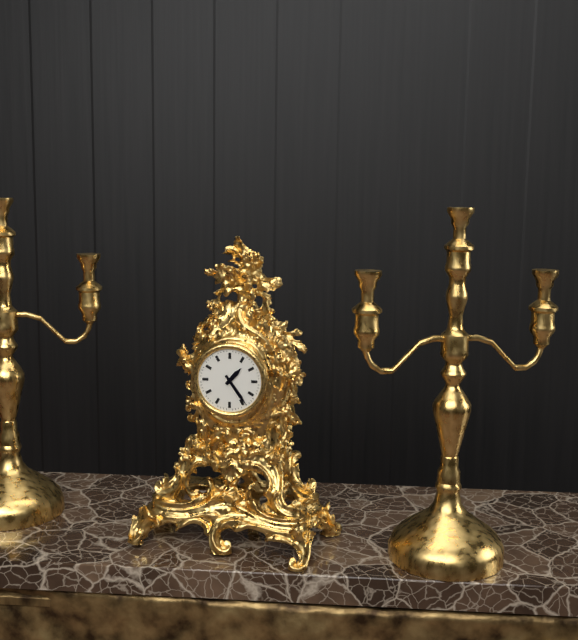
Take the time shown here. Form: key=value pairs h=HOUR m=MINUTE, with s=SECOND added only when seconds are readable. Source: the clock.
h=1 m=24
